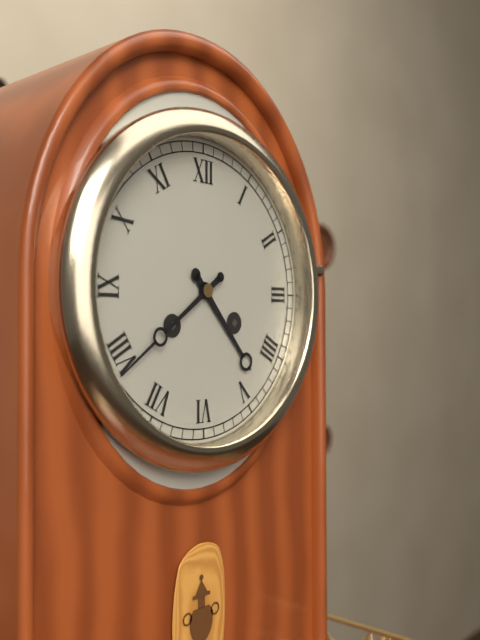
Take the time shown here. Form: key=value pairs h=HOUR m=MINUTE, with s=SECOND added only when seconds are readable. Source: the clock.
h=4 m=39
